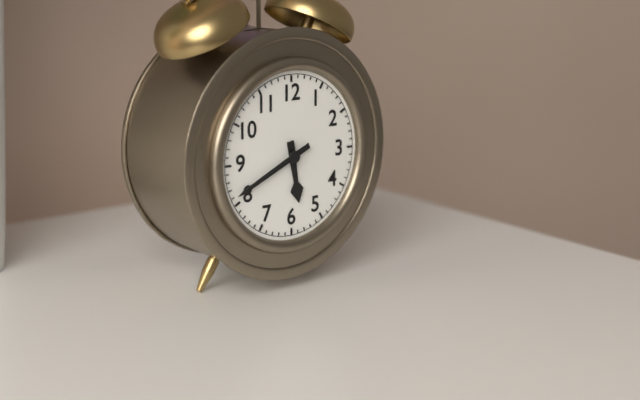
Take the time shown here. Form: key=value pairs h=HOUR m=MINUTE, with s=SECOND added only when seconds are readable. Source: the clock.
h=5 m=41
